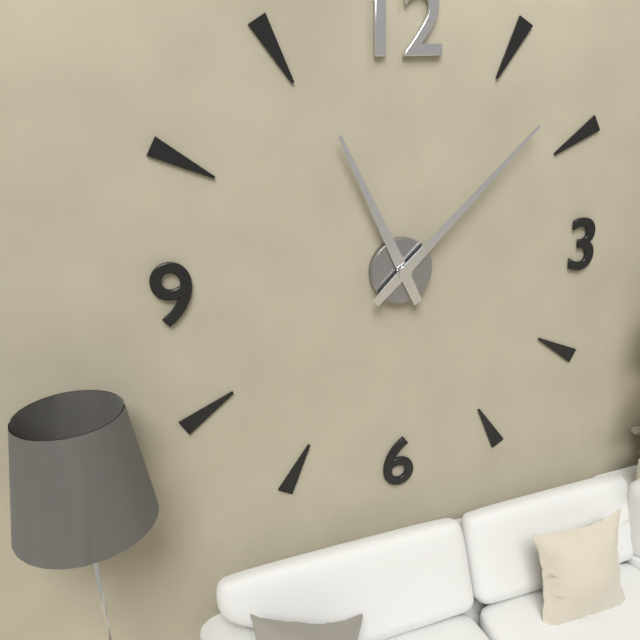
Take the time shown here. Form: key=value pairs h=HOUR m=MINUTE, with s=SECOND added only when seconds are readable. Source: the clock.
h=11 m=8
